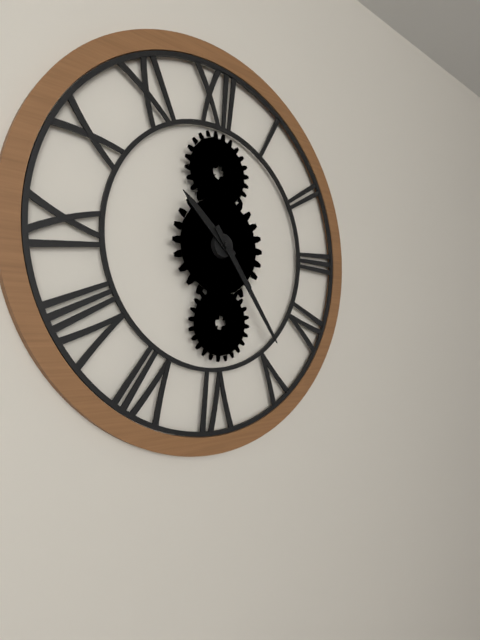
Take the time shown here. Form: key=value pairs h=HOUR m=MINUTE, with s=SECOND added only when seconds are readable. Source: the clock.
h=10 m=24
